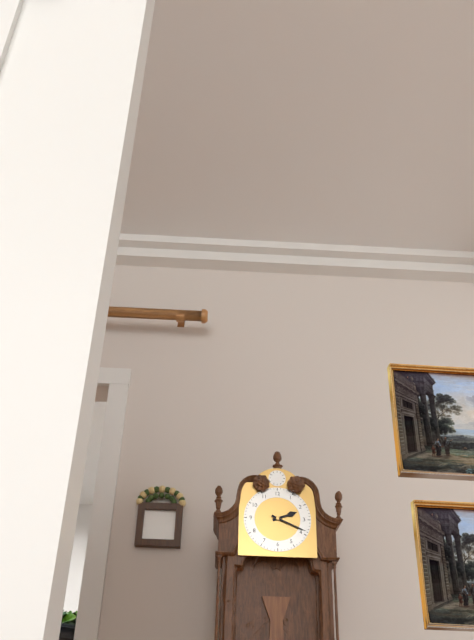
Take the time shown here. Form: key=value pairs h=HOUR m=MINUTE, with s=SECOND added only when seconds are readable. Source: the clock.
h=2 m=19
